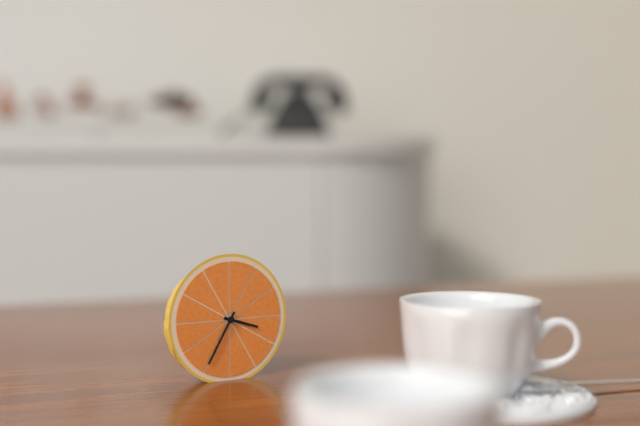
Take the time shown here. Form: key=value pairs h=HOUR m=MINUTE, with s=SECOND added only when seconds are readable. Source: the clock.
h=3 m=35
